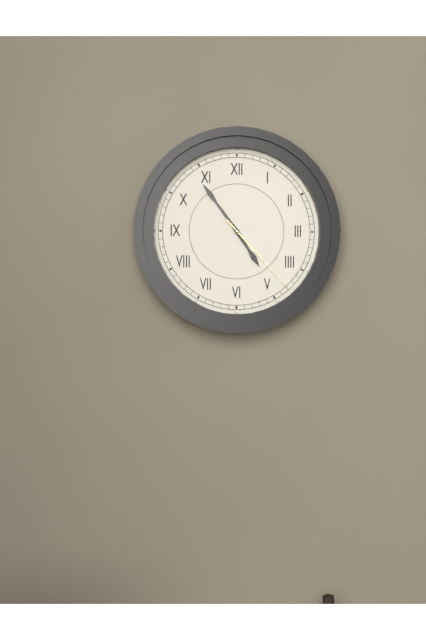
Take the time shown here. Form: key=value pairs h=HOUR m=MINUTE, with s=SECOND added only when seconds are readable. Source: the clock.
h=4 m=54 s=23
